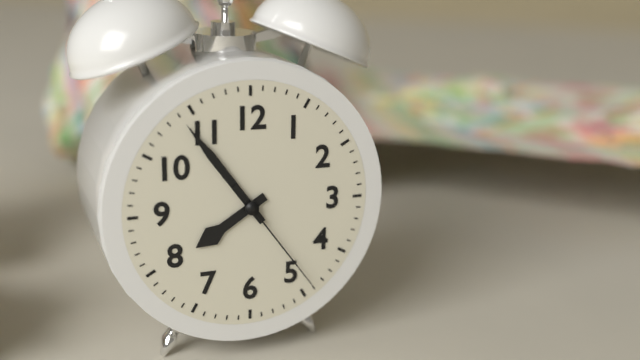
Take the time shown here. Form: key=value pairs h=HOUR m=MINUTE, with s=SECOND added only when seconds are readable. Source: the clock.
h=7 m=54 s=24
